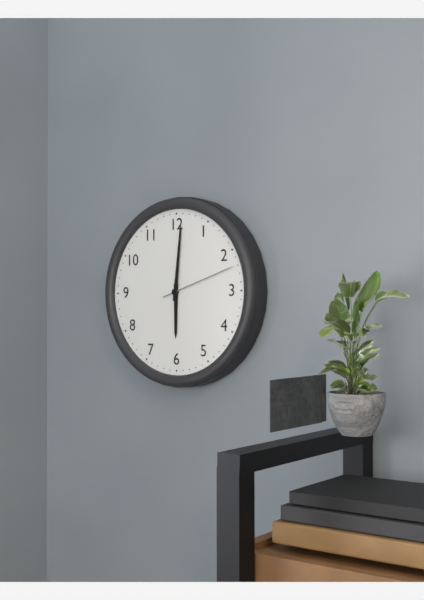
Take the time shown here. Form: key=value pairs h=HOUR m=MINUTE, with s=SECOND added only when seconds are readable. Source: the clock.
h=6 m=1 s=12
